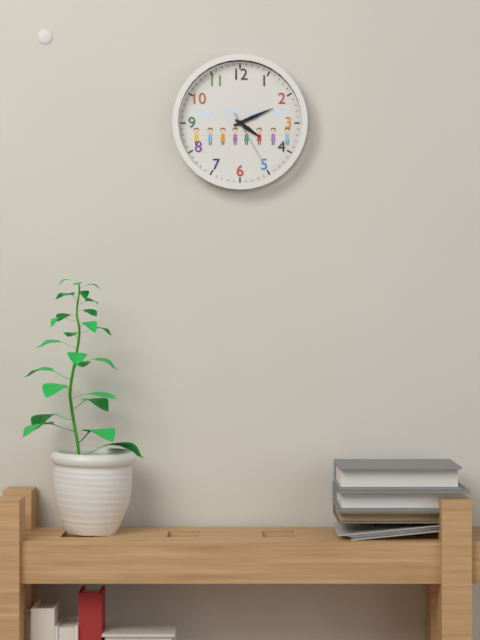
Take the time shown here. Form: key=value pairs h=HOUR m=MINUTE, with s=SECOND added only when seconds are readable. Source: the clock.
h=4 m=11 s=25
